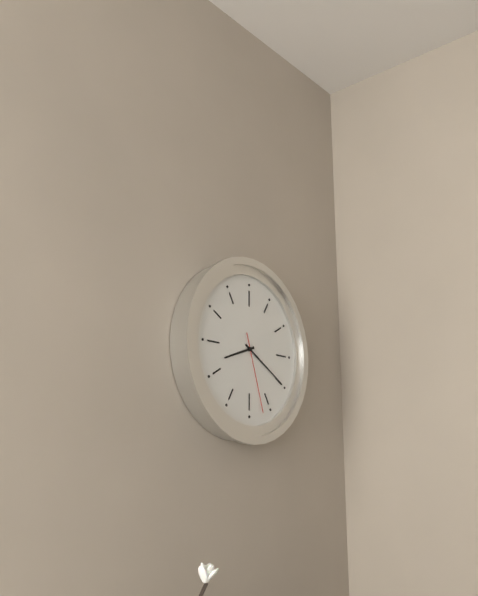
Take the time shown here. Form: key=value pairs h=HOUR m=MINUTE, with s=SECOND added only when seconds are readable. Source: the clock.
h=8 m=20 s=27
